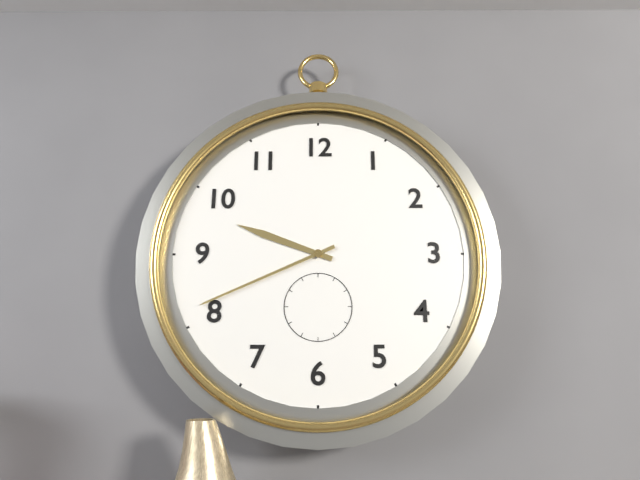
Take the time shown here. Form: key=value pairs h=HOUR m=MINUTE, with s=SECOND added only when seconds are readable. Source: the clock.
h=9 m=41
